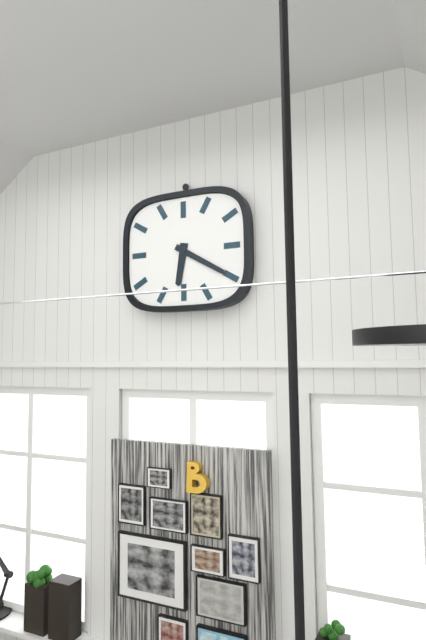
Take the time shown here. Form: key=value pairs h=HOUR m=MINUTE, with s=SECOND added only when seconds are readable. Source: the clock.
h=6 m=20
